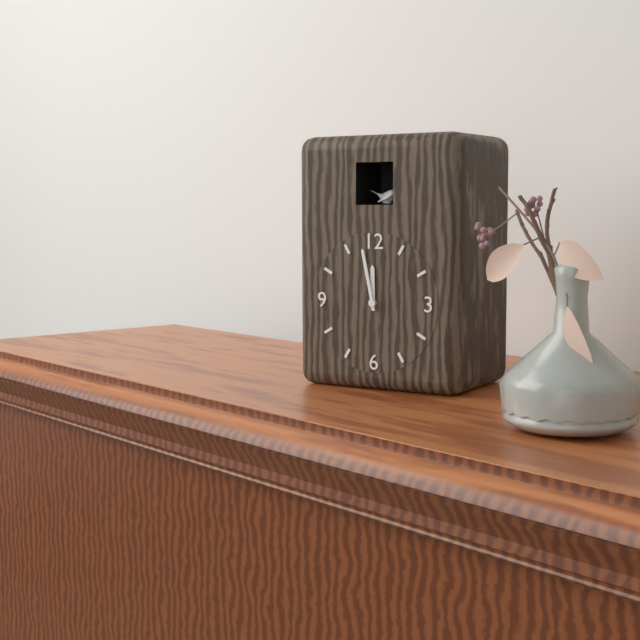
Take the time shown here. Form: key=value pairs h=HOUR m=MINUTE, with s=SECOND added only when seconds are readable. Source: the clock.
h=11 m=58
